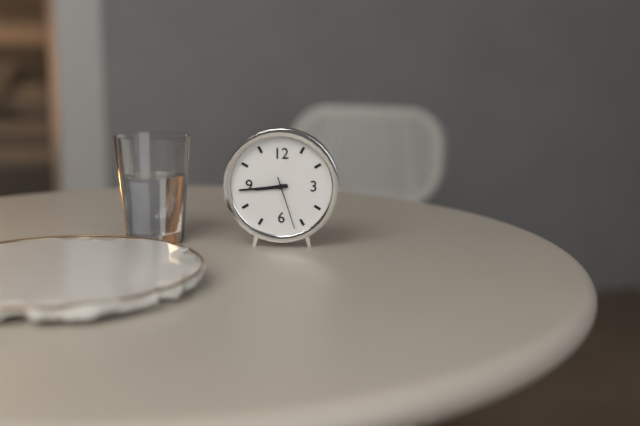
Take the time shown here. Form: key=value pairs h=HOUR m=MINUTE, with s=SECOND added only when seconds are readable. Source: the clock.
h=8 m=44 s=27
